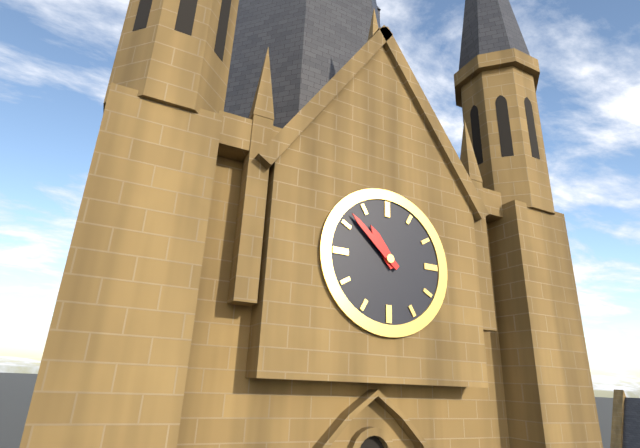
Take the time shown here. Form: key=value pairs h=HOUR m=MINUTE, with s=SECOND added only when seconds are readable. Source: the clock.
h=10 m=52
